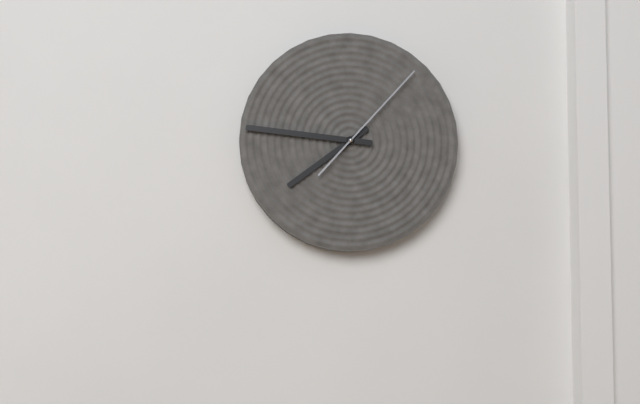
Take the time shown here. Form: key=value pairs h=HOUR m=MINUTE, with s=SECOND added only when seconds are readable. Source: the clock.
h=7 m=46 s=7
